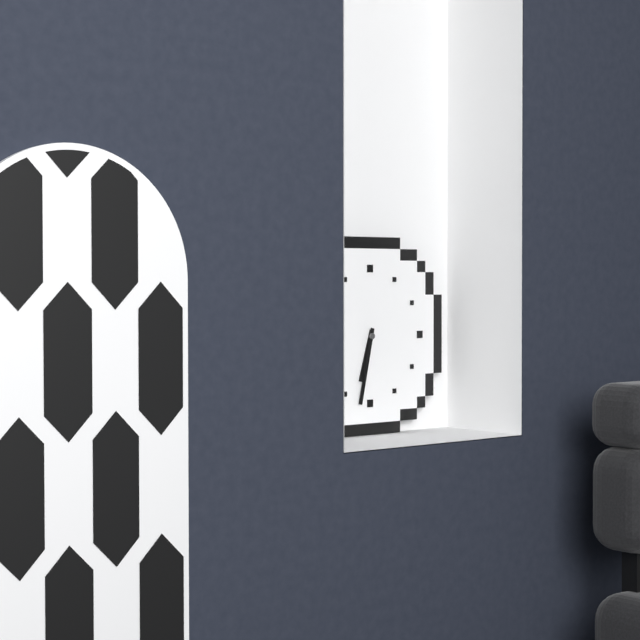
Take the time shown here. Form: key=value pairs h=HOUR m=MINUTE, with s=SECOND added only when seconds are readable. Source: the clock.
h=6 m=32
